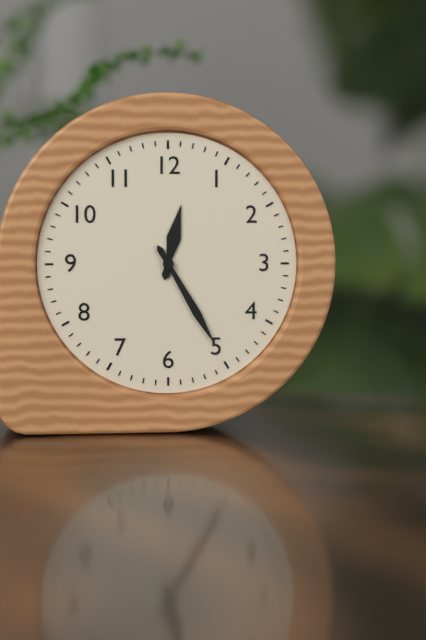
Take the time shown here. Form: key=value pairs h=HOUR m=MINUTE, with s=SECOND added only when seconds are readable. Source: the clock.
h=12 m=25
